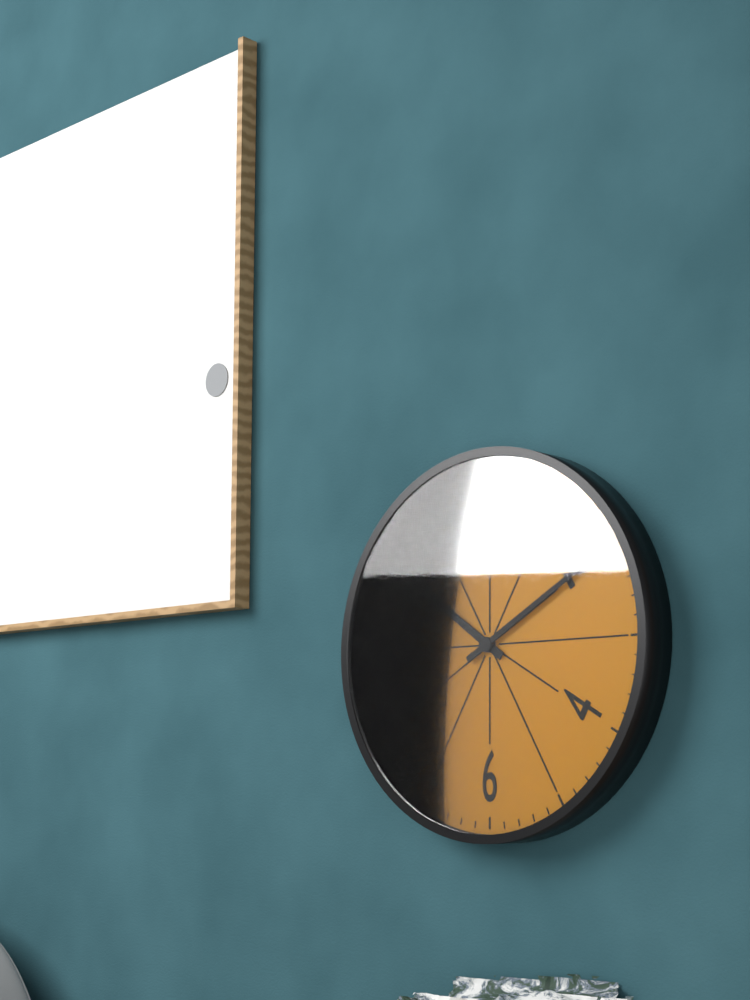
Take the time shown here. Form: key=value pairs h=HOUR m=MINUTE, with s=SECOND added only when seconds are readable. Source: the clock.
h=10 m=10
